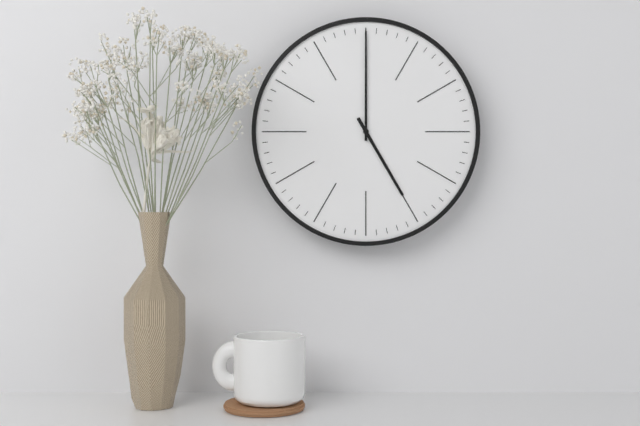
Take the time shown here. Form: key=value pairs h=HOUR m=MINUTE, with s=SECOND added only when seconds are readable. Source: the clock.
h=5 m=0
